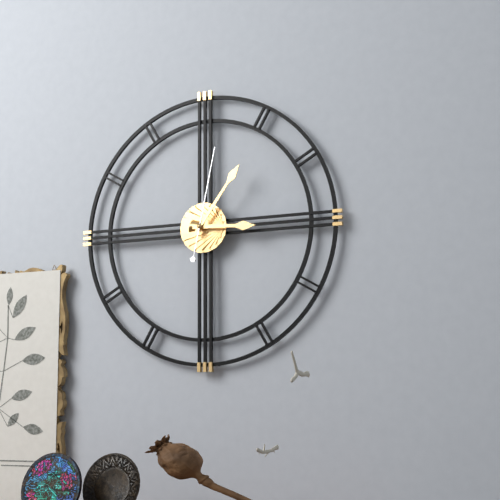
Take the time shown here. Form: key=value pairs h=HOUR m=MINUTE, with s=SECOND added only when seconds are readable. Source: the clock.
h=3 m=6 s=2
